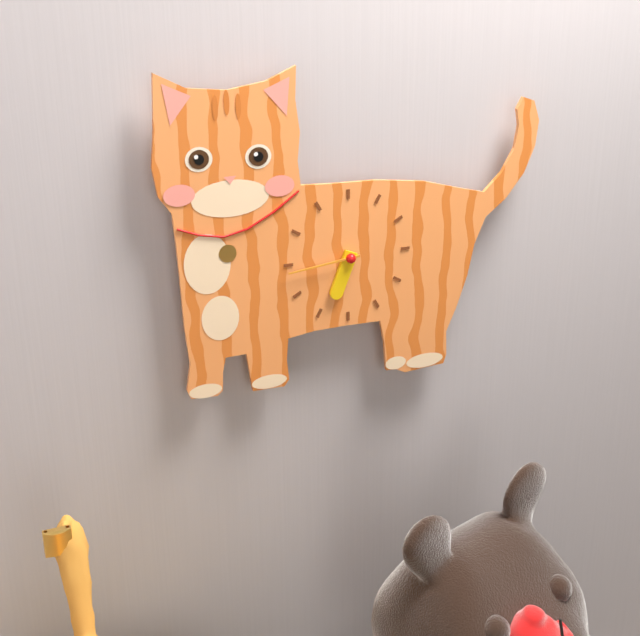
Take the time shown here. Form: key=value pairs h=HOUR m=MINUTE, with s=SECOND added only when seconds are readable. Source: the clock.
h=6 m=44
